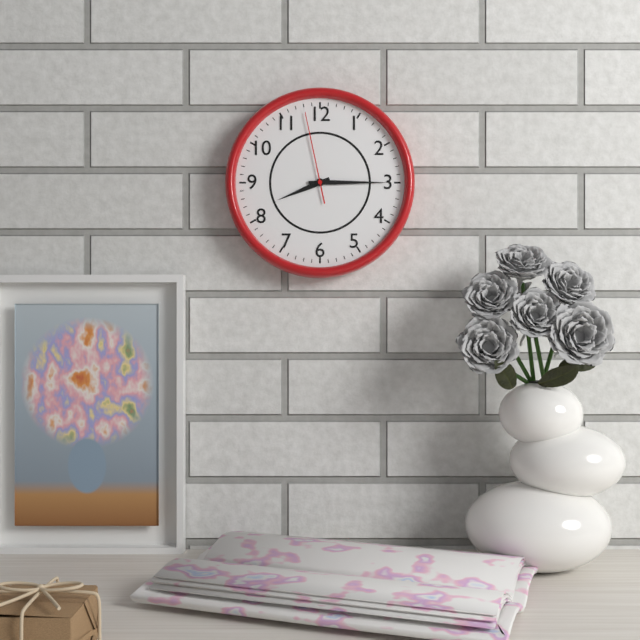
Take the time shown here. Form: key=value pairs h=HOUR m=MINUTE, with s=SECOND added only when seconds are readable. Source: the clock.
h=8 m=15 s=58
